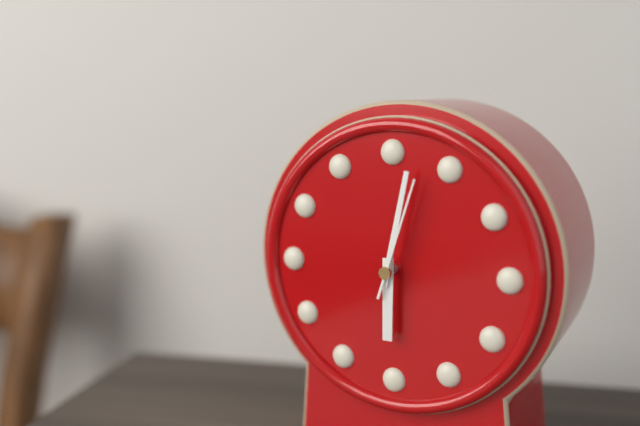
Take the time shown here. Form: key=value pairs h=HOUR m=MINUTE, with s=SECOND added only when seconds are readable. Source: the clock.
h=6 m=2 s=3
